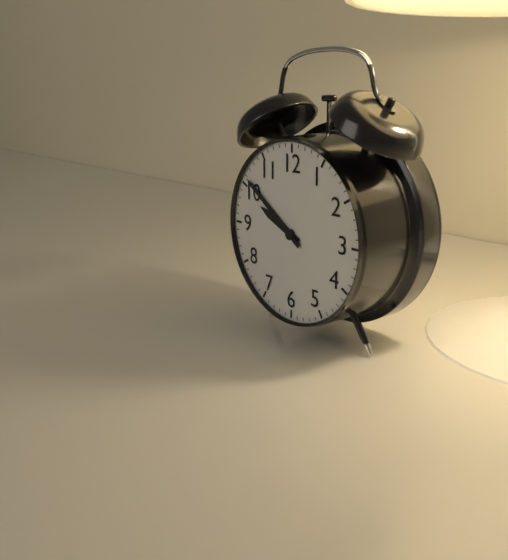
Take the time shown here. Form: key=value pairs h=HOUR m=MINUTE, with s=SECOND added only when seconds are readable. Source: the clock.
h=9 m=51
